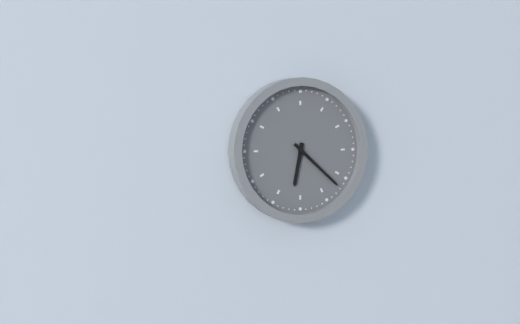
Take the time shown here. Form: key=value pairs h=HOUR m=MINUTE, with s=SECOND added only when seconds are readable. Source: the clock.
h=6 m=22
